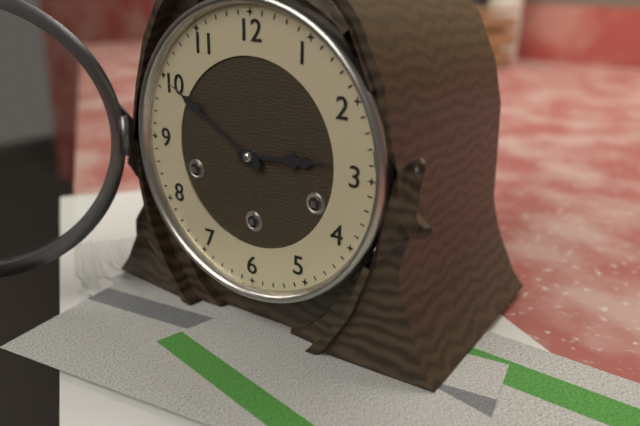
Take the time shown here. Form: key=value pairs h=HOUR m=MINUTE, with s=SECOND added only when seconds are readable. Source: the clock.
h=2 m=50
